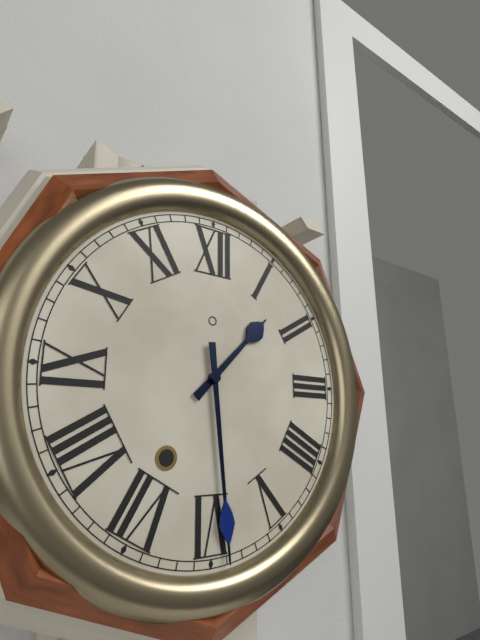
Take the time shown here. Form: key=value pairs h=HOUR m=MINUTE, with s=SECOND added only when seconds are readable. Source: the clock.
h=1 m=29
